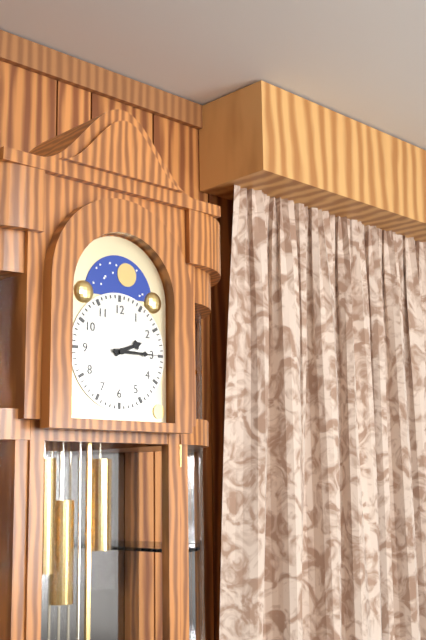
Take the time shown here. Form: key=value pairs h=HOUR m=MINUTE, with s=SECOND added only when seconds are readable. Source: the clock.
h=2 m=15
